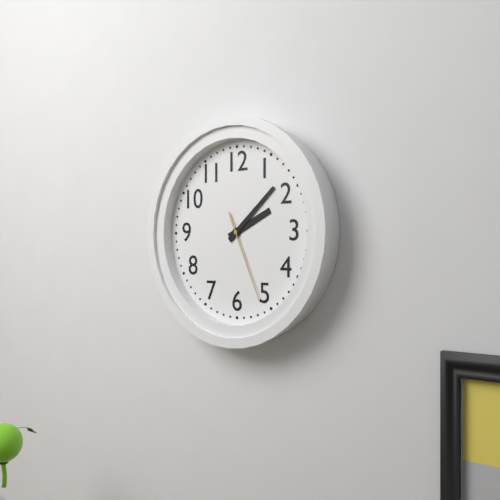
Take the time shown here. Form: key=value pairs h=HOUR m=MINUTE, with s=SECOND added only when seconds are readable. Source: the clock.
h=2 m=8 s=26
